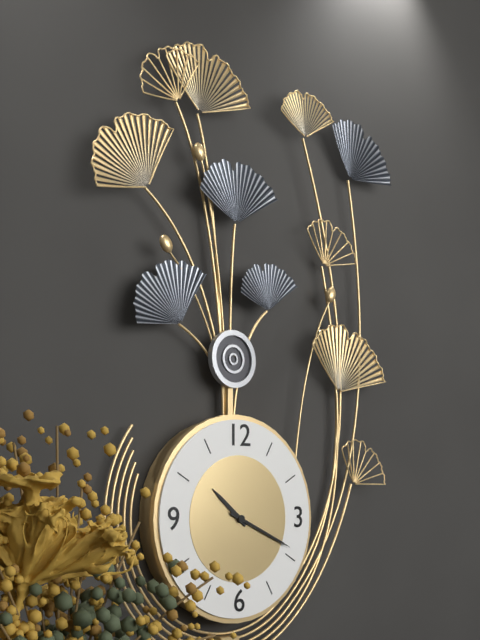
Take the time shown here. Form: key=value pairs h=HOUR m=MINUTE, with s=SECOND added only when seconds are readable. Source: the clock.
h=10 m=19
